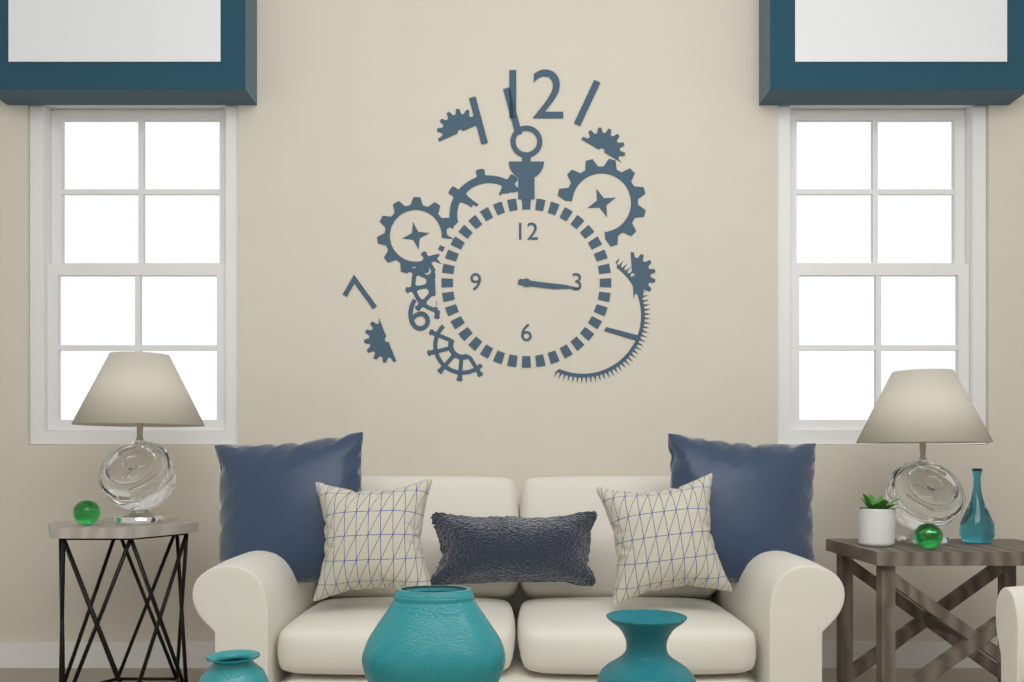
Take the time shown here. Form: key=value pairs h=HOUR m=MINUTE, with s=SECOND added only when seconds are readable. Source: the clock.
h=3 m=16
